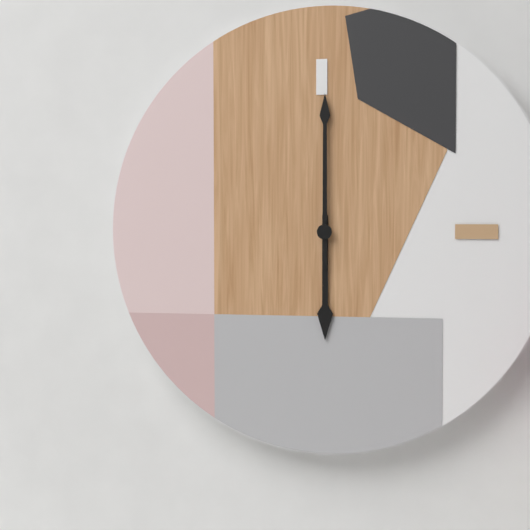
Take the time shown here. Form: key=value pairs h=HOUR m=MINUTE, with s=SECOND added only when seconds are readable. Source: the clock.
h=6 m=0
